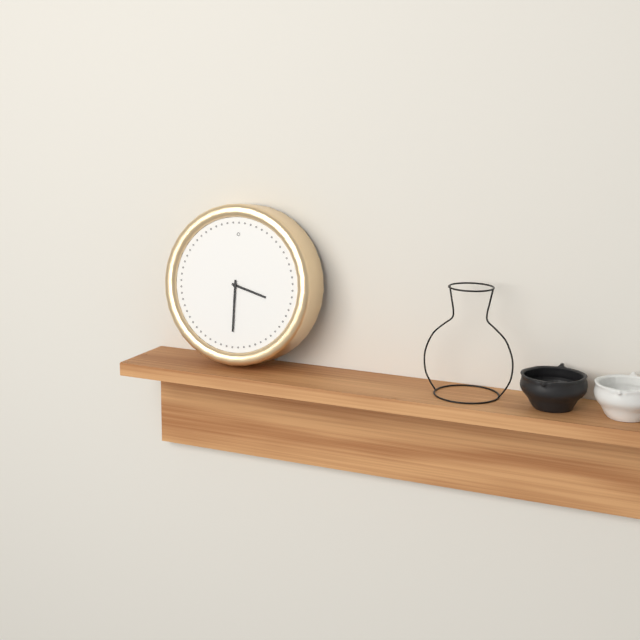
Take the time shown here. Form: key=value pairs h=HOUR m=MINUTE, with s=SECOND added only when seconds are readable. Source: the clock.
h=3 m=30
